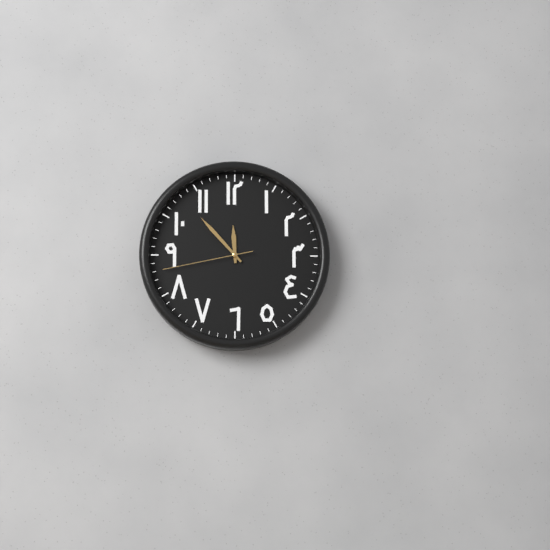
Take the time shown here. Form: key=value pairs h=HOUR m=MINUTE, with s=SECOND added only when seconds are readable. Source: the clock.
h=11 m=53 s=43
